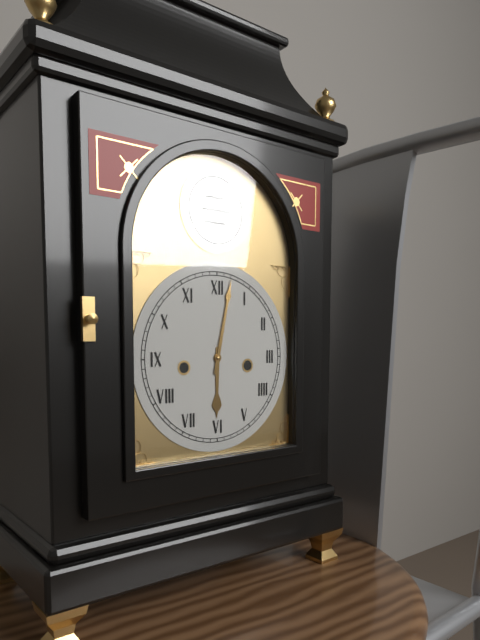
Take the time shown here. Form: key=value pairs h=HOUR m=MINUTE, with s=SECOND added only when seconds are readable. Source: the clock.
h=6 m=2
